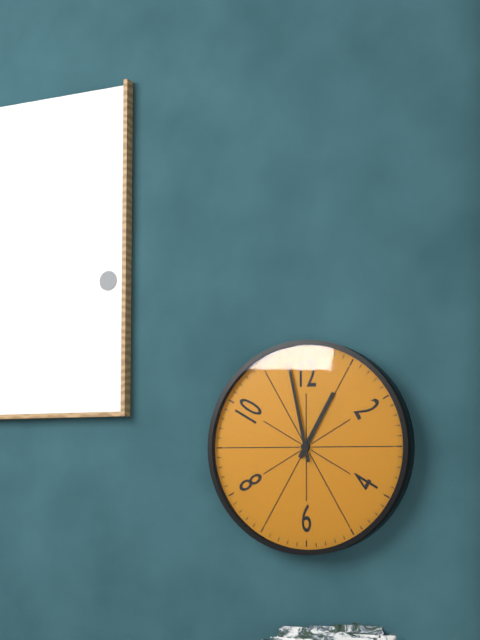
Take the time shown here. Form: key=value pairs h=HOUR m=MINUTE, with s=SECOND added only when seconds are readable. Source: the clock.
h=12 m=58
